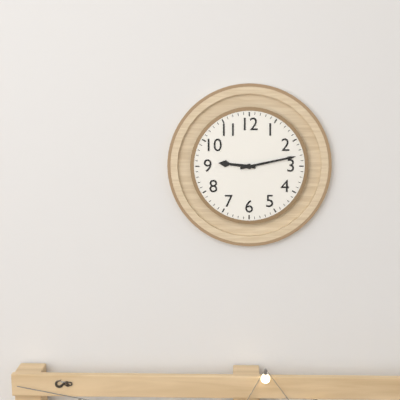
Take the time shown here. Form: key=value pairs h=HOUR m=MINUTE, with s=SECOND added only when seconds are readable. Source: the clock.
h=9 m=13
